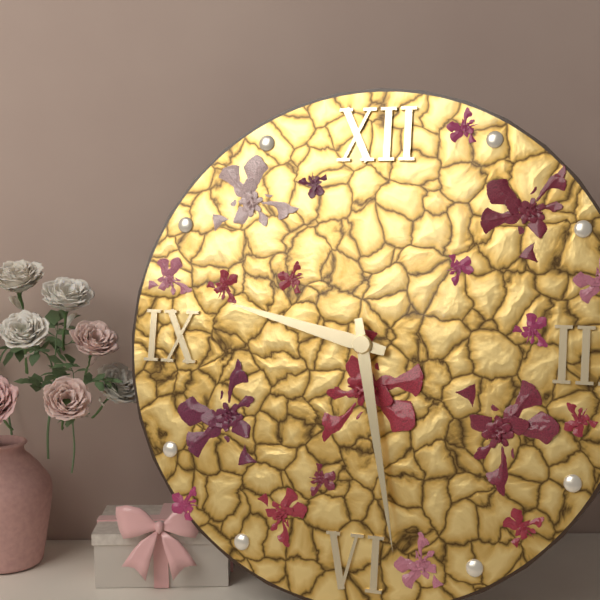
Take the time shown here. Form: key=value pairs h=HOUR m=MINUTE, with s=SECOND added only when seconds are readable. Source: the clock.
h=9 m=28
